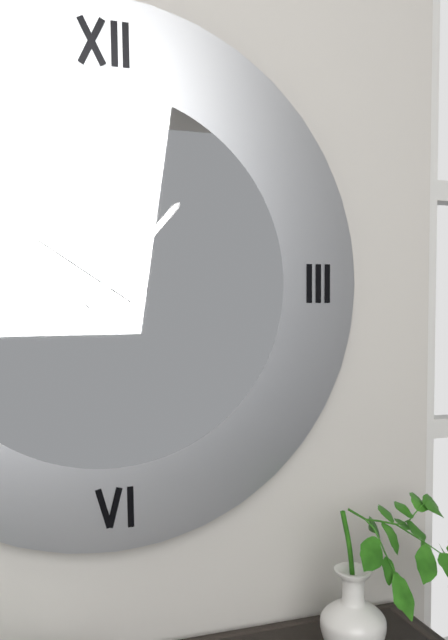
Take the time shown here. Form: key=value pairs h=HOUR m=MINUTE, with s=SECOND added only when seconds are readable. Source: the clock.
h=10 m=7
